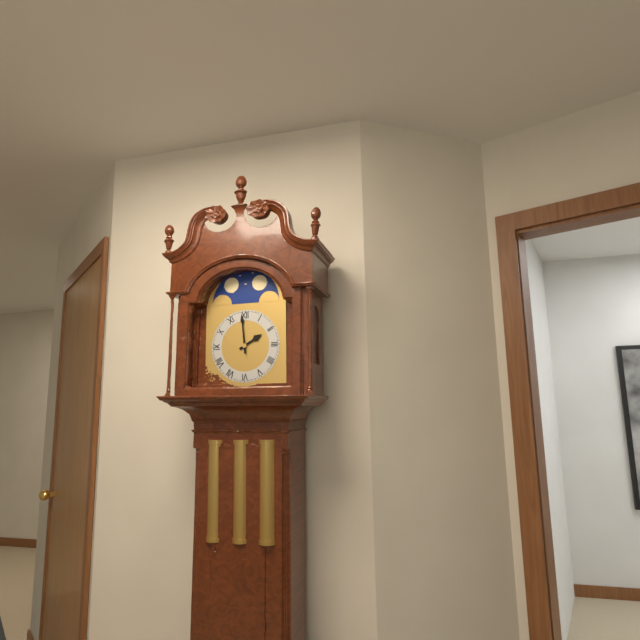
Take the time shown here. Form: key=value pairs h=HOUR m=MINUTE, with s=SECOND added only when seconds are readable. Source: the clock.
h=1 m=59
